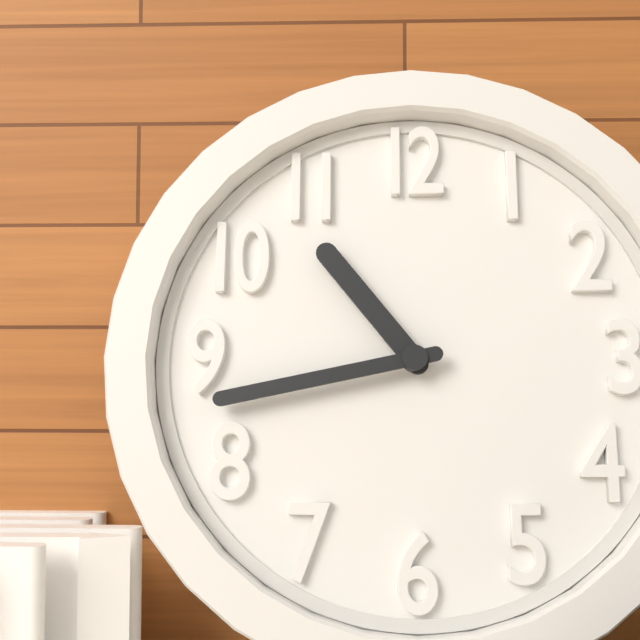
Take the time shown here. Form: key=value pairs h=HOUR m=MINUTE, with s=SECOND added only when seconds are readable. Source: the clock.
h=10 m=43
